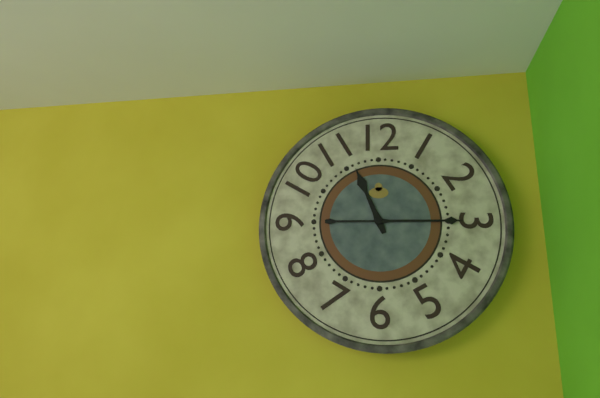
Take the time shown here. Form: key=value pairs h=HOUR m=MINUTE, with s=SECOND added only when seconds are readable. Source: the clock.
h=11 m=15
